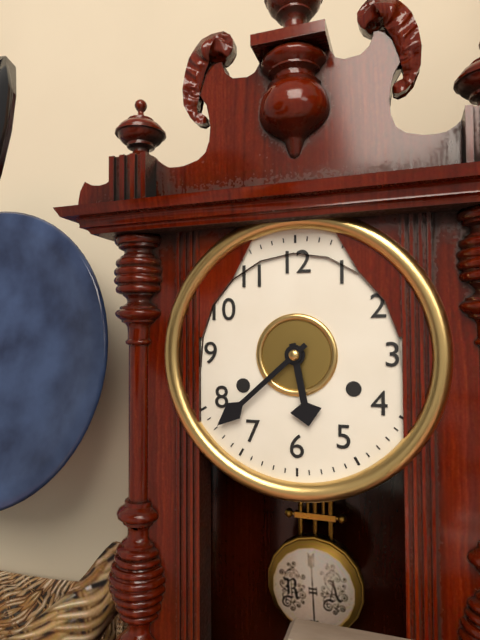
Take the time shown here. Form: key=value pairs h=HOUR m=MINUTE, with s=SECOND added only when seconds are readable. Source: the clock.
h=5 m=38
